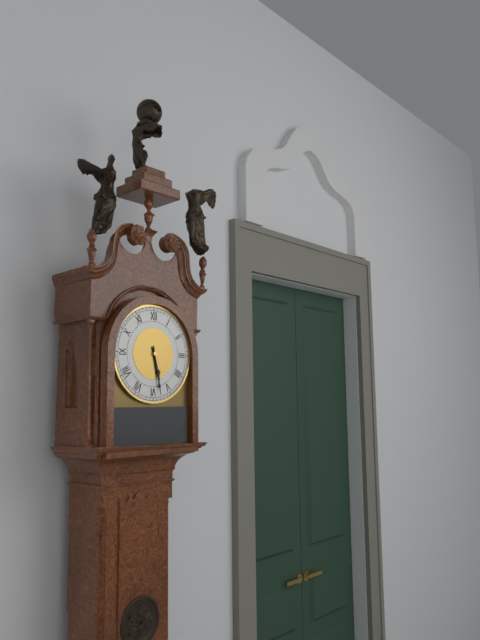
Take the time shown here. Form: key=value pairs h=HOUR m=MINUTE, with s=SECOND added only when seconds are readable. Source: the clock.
h=5 m=28
